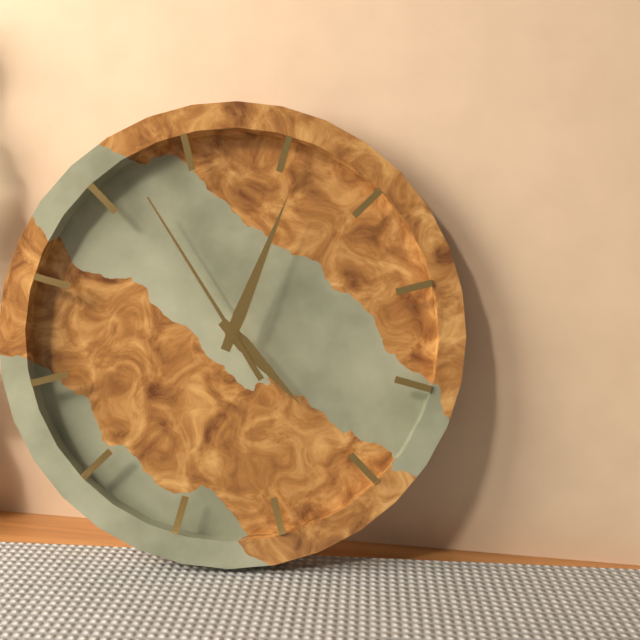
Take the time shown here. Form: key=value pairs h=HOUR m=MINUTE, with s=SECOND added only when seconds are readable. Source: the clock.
h=4 m=1 s=52
